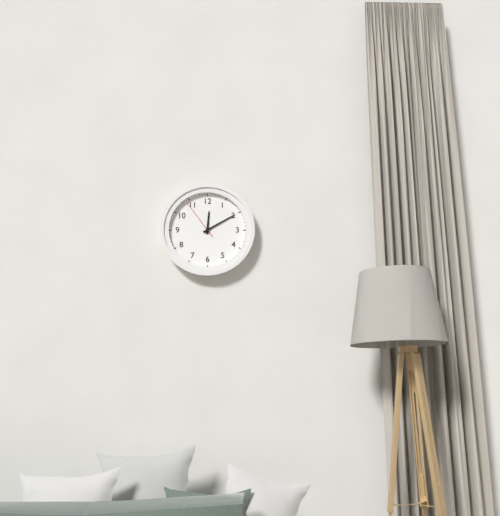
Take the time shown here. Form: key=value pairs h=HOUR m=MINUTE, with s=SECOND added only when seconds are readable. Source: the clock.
h=12 m=10
